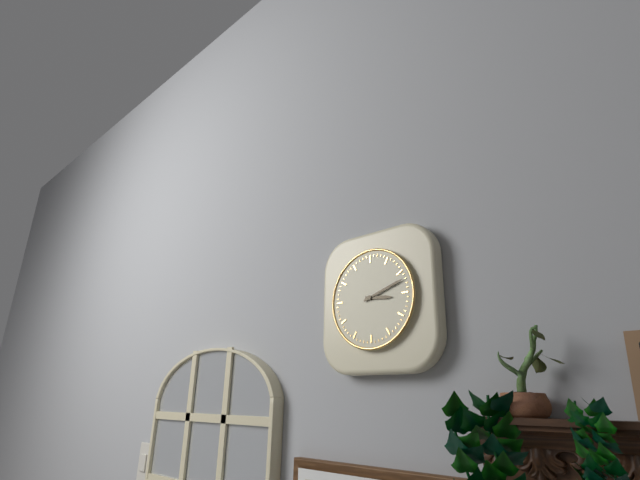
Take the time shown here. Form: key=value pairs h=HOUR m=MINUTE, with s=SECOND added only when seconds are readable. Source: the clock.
h=3 m=12
